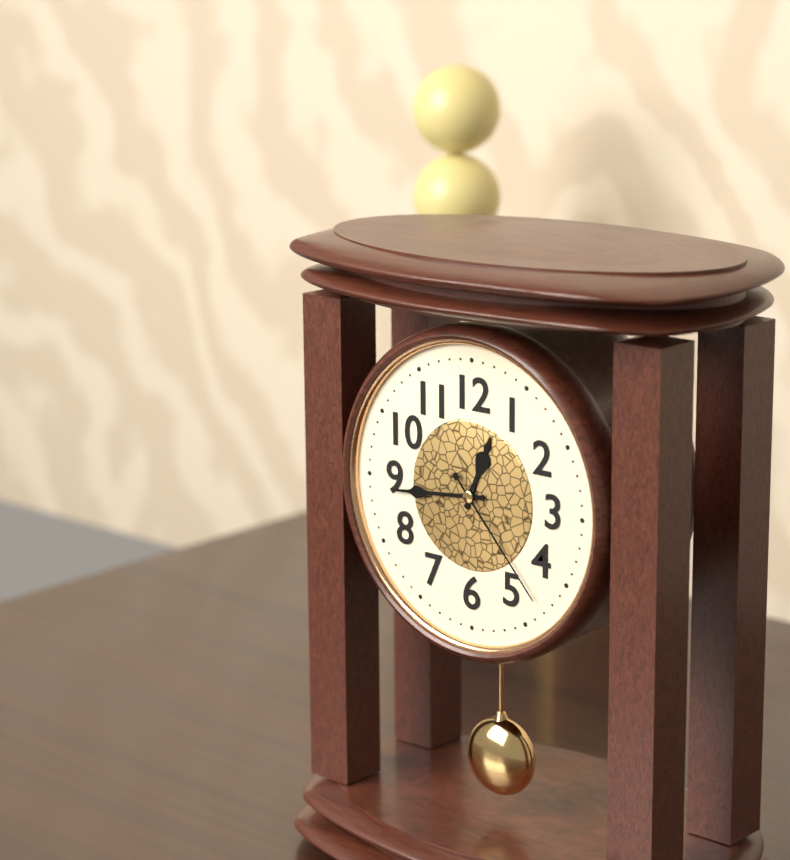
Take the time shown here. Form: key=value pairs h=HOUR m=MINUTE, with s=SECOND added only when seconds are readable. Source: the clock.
h=12 m=44 s=23
